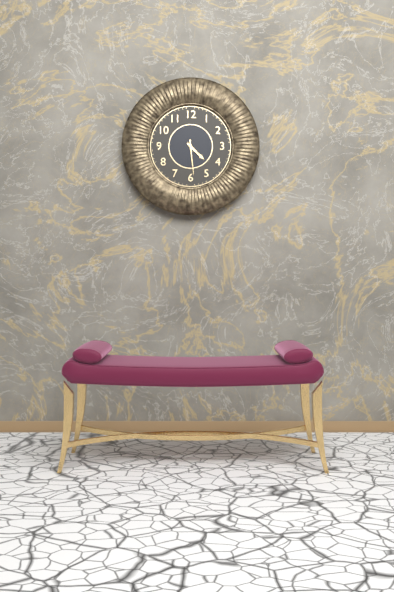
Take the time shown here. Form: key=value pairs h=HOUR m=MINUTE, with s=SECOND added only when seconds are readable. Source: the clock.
h=4 m=29
